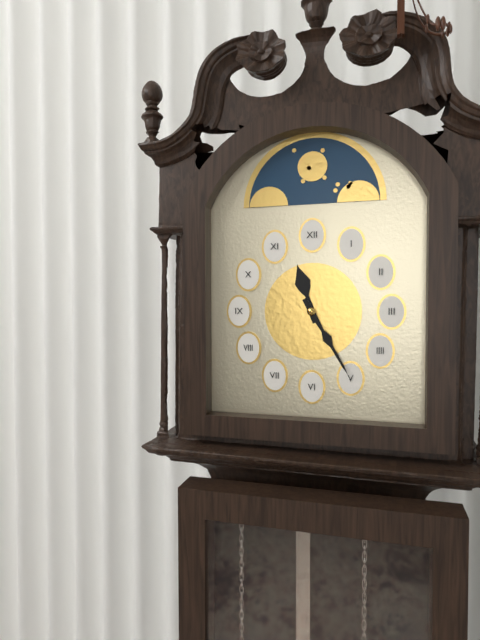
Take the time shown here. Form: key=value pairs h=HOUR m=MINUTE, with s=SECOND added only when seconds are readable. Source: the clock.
h=11 m=25
